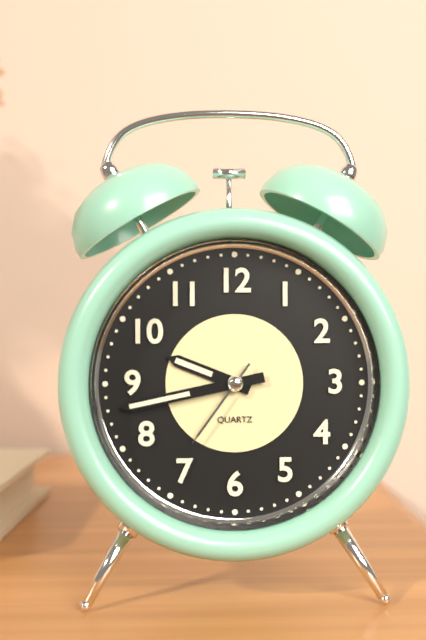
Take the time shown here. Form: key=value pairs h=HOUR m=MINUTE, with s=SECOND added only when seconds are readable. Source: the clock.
h=9 m=43 s=36
